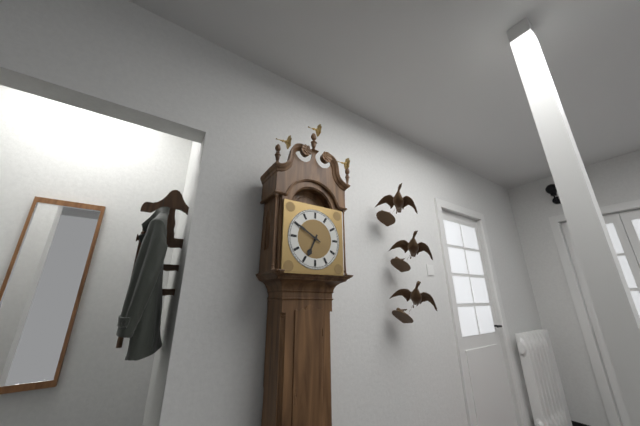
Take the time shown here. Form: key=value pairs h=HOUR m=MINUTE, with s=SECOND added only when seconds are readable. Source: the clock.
h=6 m=50
